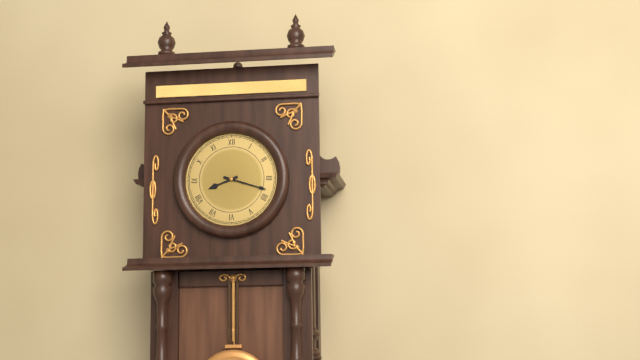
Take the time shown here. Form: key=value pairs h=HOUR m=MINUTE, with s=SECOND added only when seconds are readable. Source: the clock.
h=8 m=18
